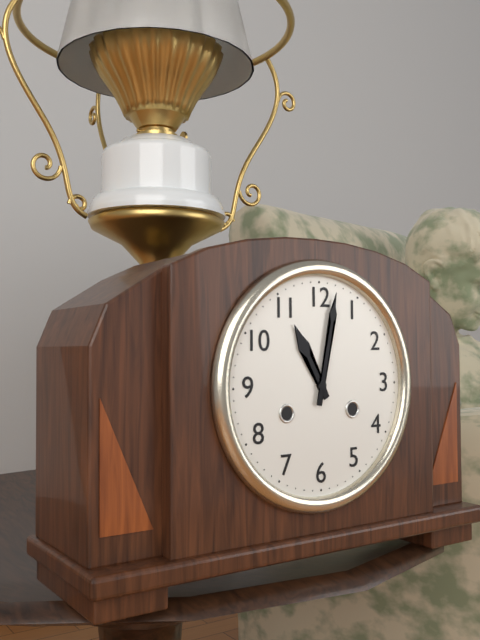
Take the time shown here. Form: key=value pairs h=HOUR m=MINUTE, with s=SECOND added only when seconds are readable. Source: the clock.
h=11 m=2
